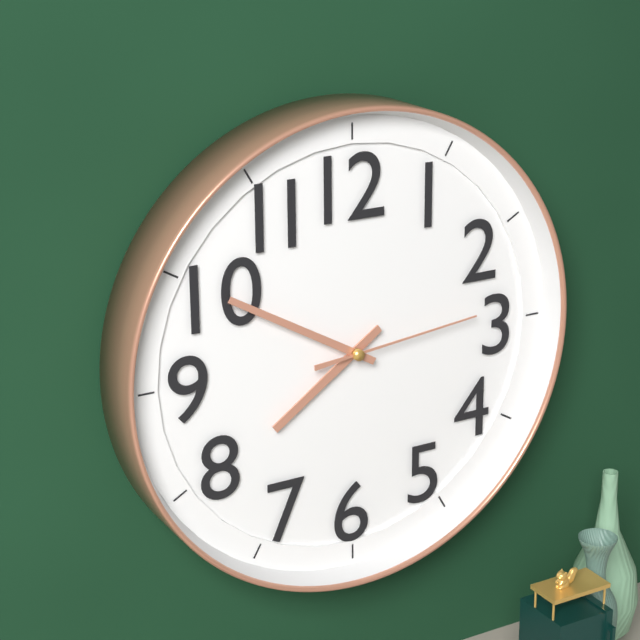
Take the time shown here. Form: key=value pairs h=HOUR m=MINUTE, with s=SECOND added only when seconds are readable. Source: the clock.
h=7 m=50 s=14
